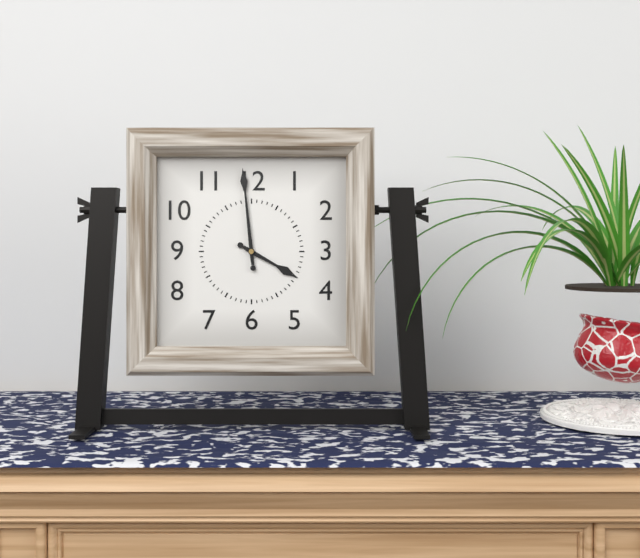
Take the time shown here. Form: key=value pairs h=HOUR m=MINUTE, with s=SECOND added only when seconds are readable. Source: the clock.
h=3 m=59
